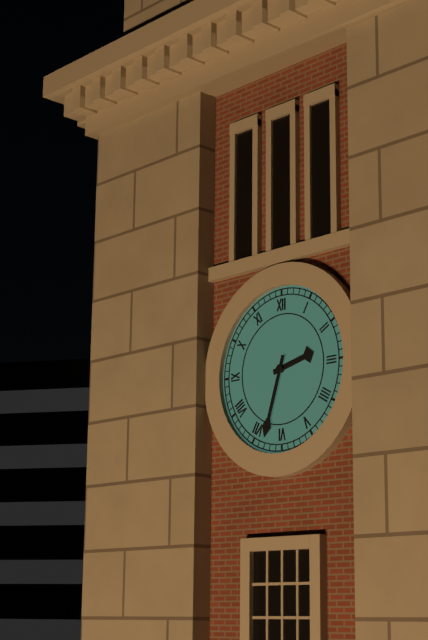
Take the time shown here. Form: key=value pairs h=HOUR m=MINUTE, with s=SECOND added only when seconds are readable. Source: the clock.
h=2 m=33
